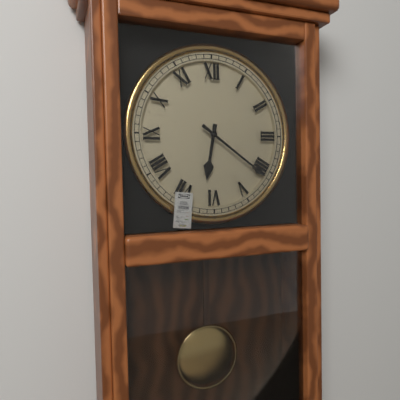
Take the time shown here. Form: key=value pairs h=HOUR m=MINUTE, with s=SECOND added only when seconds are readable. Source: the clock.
h=6 m=21
